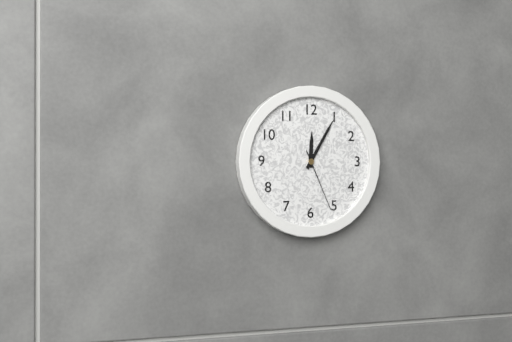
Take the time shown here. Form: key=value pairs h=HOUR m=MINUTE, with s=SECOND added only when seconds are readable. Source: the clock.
h=12 m=5 s=26
